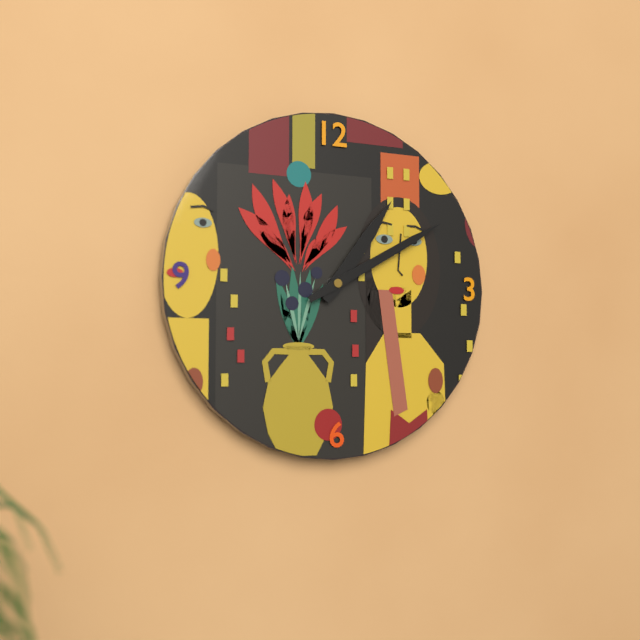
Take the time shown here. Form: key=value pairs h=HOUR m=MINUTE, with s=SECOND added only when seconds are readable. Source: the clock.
h=1 m=10
